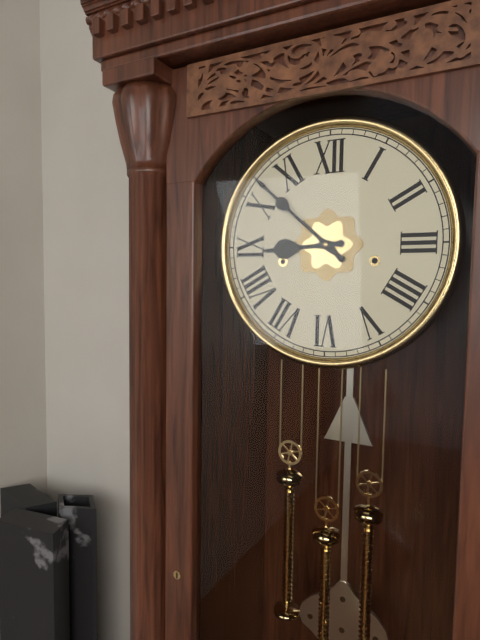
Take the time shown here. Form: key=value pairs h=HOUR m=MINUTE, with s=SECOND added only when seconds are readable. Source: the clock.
h=8 m=52
